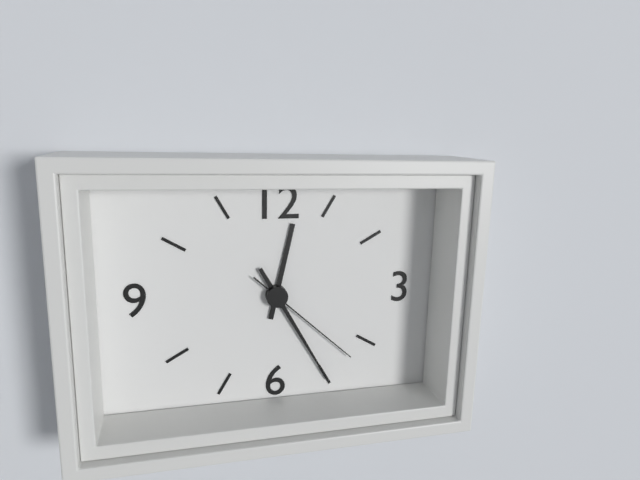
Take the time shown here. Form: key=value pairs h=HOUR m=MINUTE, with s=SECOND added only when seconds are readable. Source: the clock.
h=12 m=25 s=22
